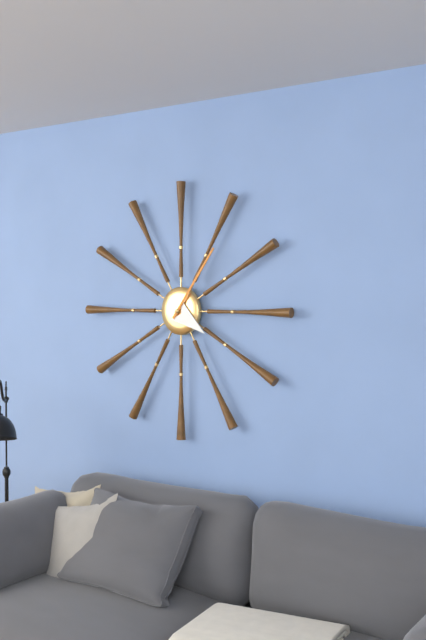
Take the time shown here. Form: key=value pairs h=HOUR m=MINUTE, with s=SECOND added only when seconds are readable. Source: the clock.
h=4 m=6
